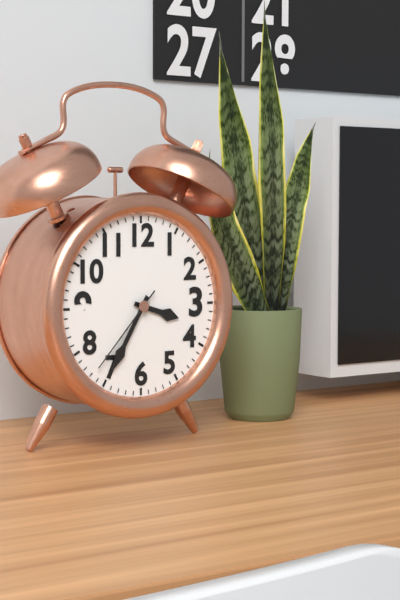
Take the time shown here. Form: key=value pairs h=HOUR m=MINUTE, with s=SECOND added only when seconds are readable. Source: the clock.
h=3 m=35 s=37
